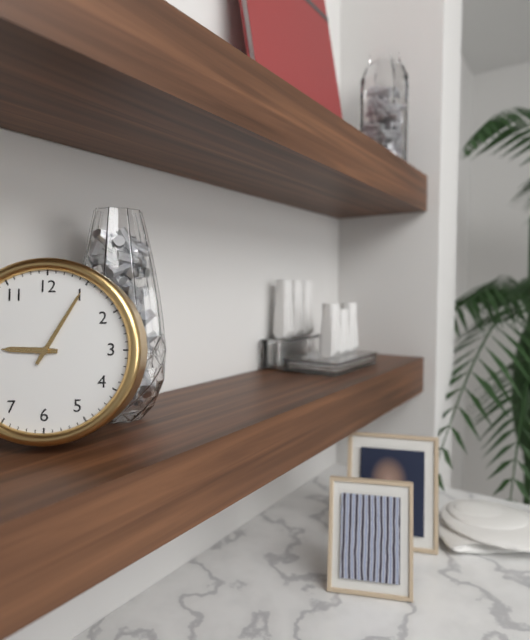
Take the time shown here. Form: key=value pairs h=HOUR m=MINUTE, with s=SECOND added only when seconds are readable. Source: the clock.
h=9 m=5
